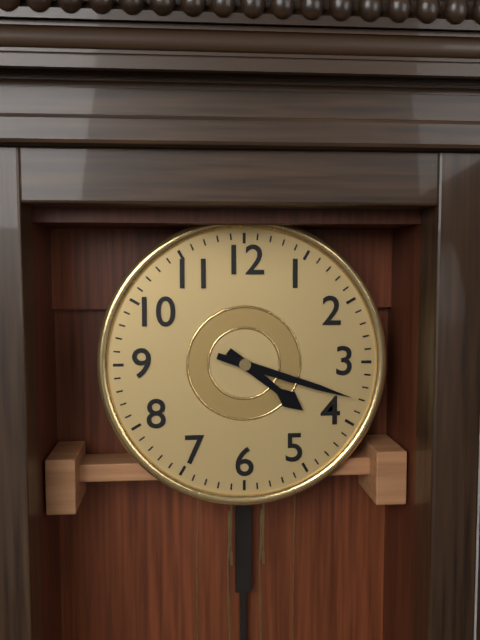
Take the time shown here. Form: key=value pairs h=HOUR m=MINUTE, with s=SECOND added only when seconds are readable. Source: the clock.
h=4 m=18
